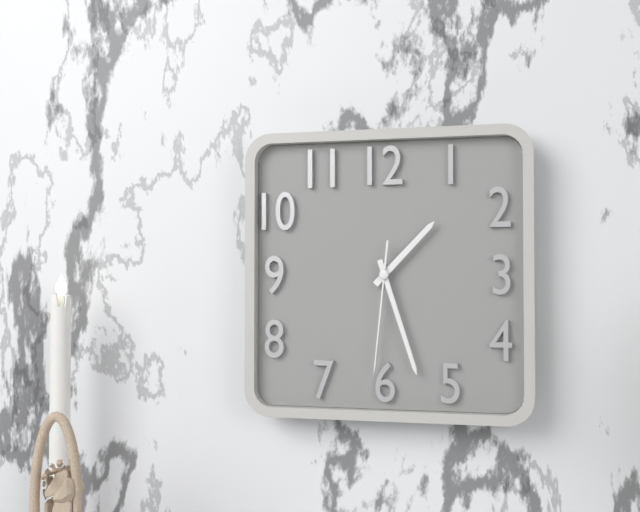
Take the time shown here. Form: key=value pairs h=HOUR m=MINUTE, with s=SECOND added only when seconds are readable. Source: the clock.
h=1 m=27 s=31
